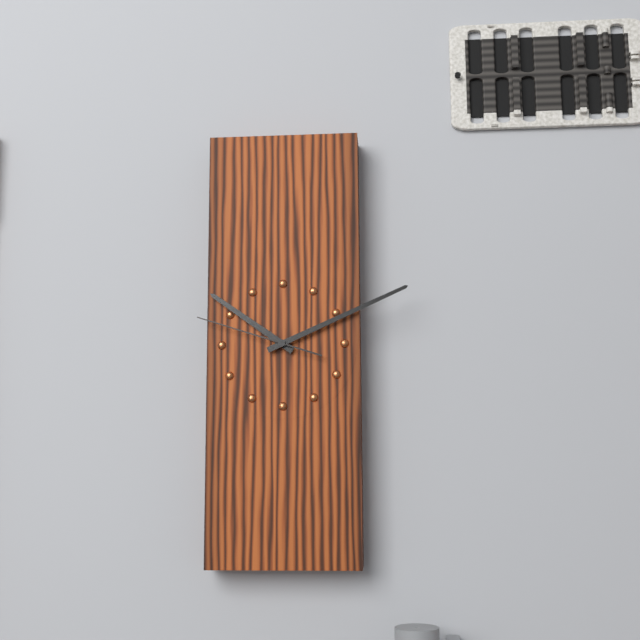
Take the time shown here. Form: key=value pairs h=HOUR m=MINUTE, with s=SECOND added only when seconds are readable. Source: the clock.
h=10 m=11 s=48
